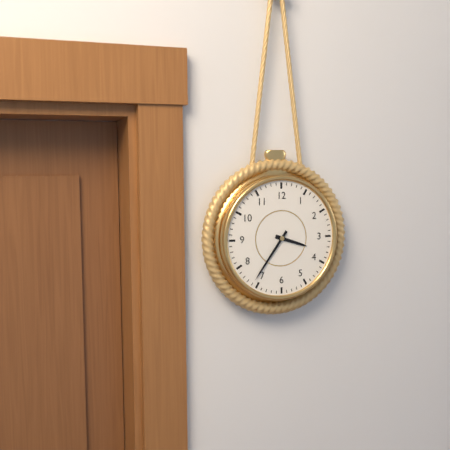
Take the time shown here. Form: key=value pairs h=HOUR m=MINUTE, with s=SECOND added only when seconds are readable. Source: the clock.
h=3 m=36
